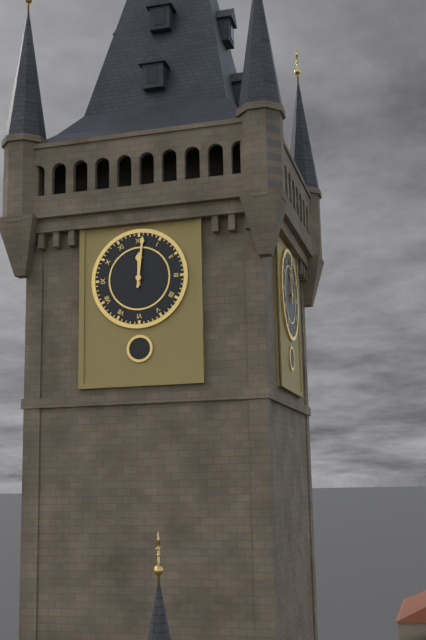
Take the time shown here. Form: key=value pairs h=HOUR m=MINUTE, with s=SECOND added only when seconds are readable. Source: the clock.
h=12 m=1
